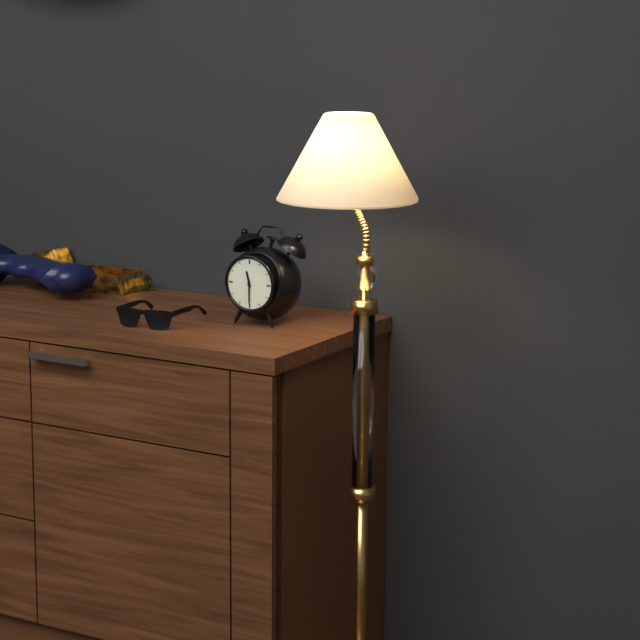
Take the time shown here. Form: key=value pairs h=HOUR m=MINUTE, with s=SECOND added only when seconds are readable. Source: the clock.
h=11 m=30
